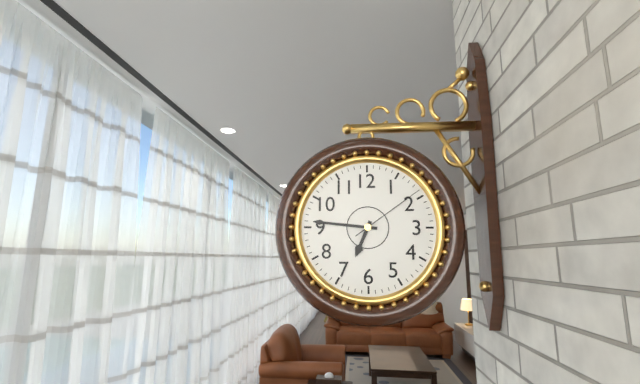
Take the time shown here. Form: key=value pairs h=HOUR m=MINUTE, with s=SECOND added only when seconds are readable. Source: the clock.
h=6 m=46 s=9
